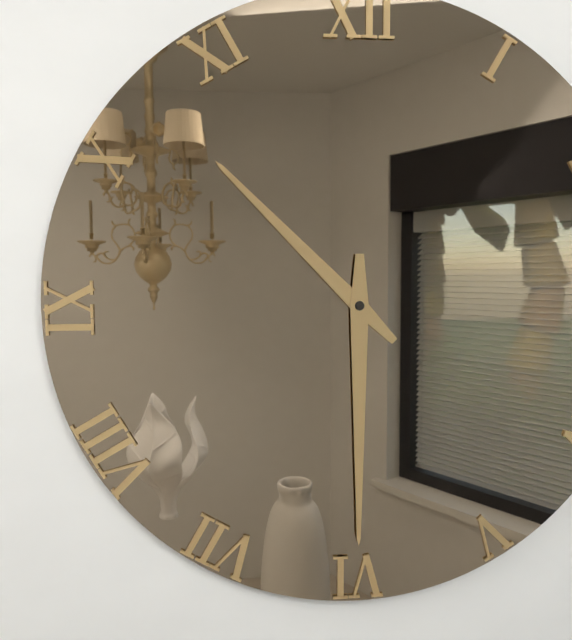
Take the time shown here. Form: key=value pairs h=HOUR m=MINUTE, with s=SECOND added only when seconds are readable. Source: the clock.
h=10 m=30
